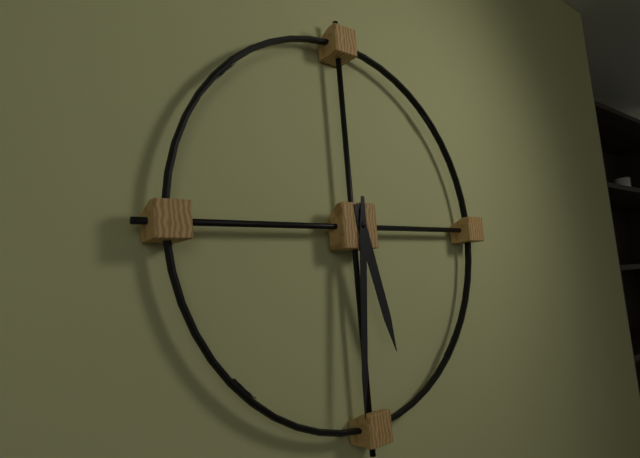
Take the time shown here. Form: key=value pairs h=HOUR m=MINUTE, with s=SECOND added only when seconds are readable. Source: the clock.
h=5 m=31
